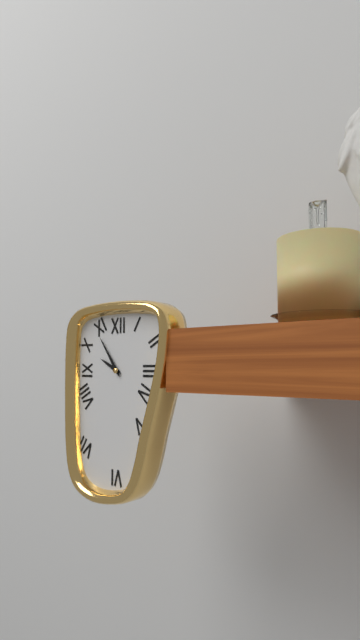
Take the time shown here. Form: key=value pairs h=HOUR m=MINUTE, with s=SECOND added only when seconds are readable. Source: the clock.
h=9 m=54
